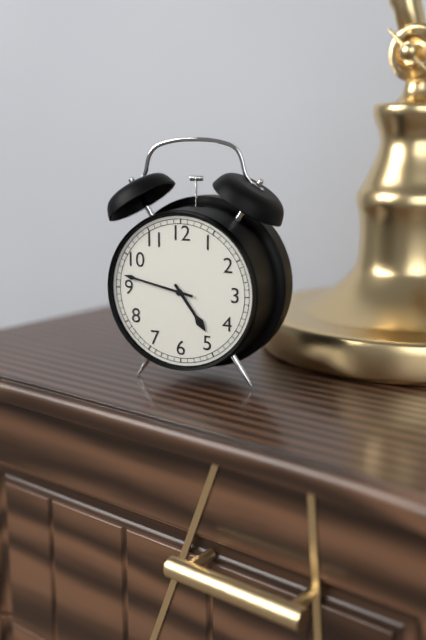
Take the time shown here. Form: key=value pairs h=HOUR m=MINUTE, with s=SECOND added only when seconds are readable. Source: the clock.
h=4 m=47
